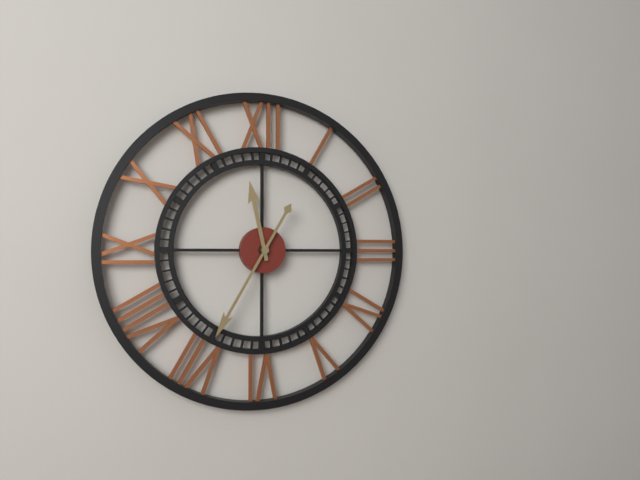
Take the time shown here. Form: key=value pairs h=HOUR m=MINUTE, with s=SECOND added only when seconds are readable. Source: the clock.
h=11 m=35
